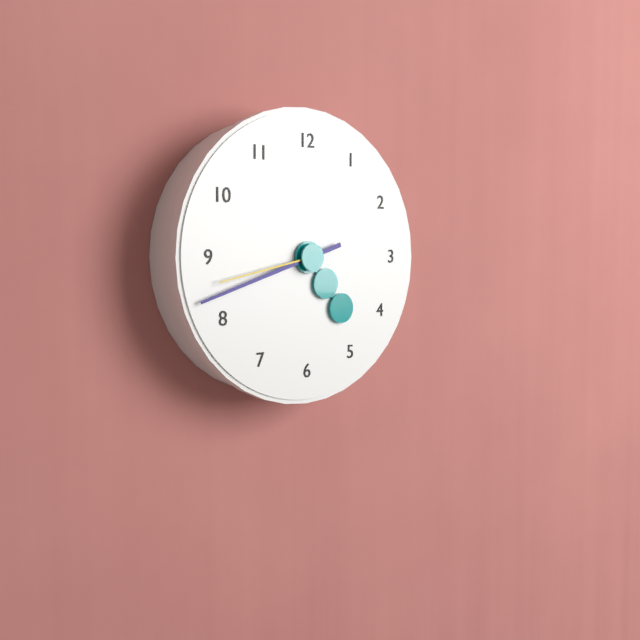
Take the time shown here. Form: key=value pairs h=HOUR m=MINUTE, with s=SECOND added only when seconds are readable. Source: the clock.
h=4 m=42 s=43
